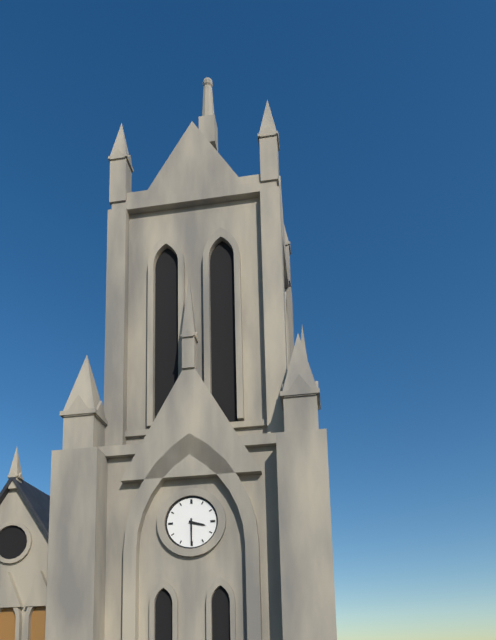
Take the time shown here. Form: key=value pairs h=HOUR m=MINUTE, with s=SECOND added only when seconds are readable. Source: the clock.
h=3 m=30
